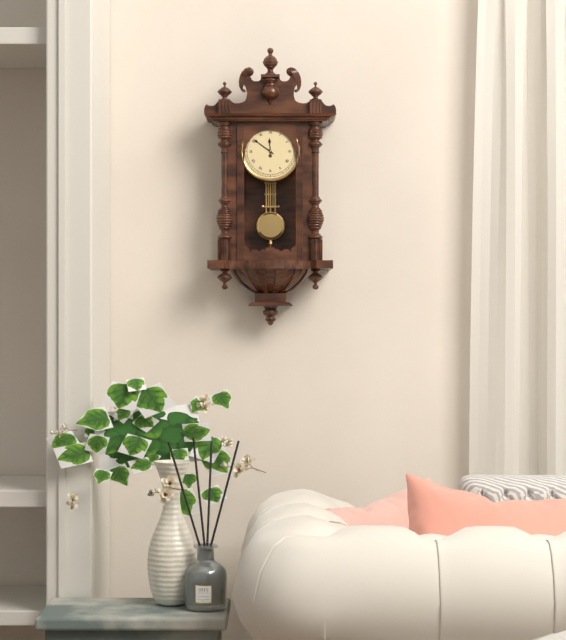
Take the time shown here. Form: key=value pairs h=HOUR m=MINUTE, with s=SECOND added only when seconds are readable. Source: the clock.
h=11 m=51
